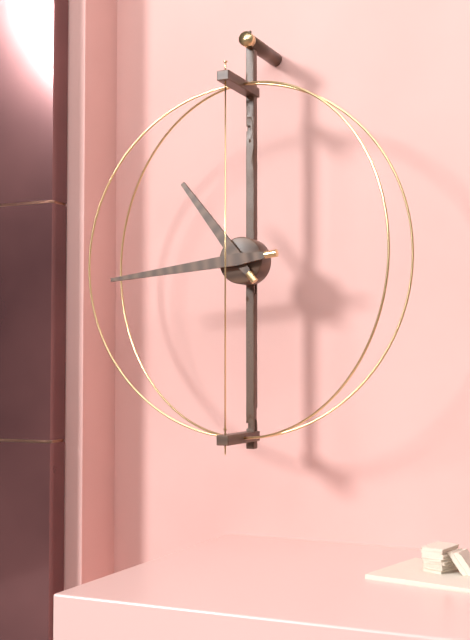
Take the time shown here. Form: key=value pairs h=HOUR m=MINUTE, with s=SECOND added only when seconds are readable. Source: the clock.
h=10 m=44
